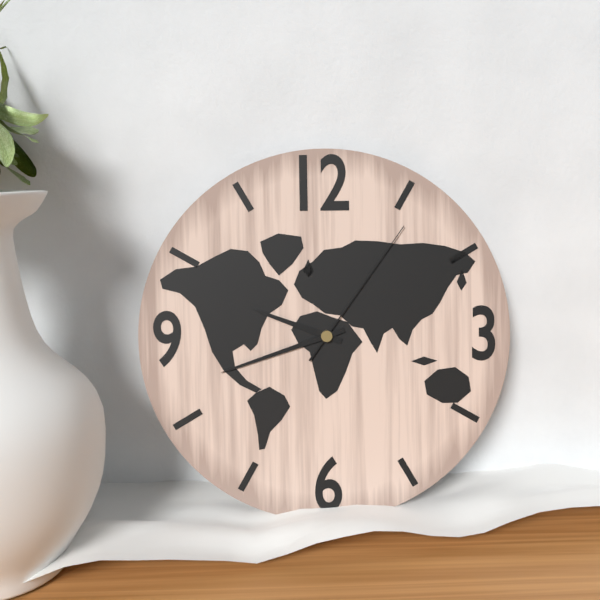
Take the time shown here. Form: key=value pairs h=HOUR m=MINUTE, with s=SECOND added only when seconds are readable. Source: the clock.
h=9 m=42 s=6
